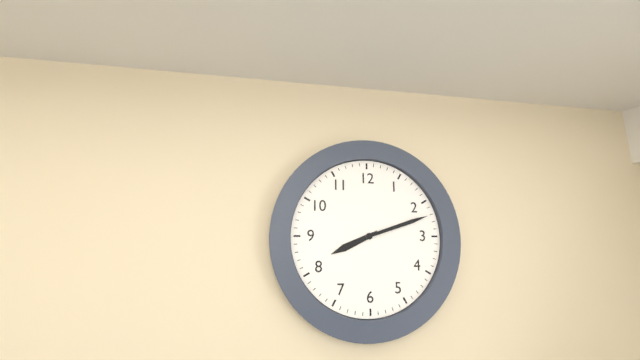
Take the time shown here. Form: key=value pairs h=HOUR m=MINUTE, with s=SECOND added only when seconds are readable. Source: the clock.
h=8 m=12
